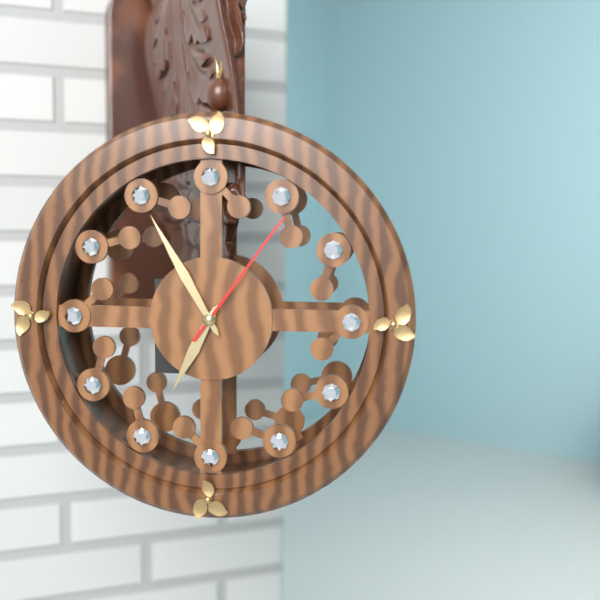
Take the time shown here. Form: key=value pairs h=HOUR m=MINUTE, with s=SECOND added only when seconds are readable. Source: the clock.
h=6 m=55 s=6
